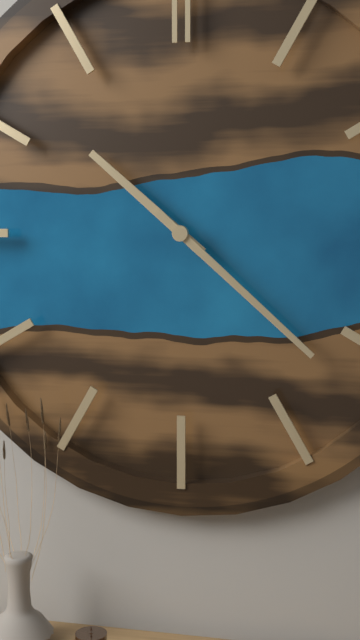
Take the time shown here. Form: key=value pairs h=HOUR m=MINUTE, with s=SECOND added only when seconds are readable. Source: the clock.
h=10 m=22
